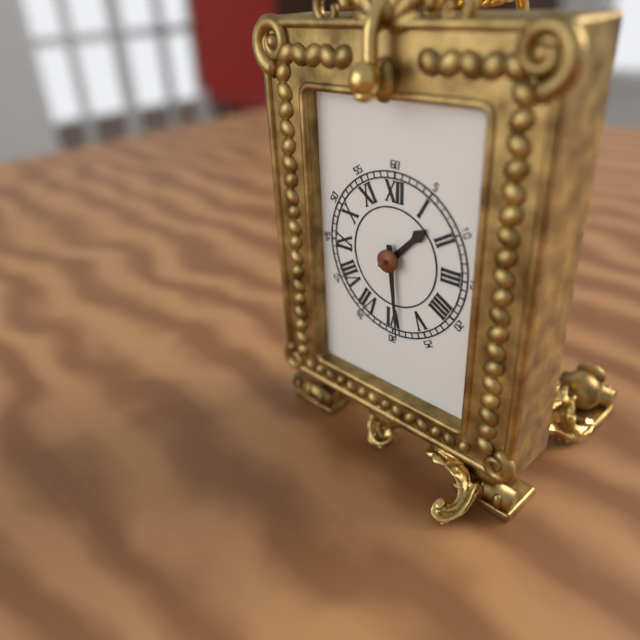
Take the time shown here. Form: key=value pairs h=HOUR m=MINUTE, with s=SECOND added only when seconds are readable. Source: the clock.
h=1 m=29
